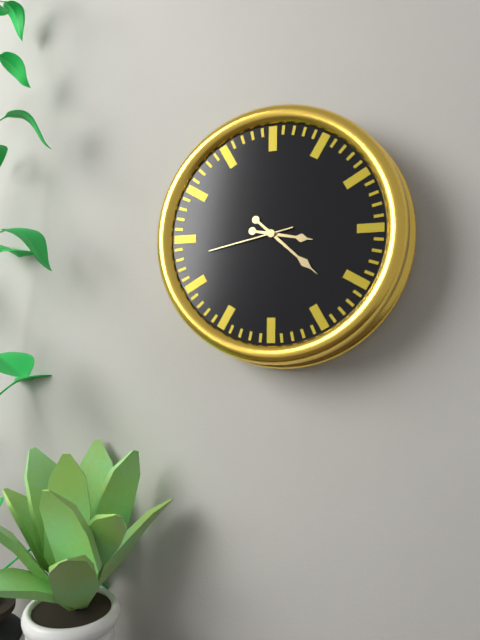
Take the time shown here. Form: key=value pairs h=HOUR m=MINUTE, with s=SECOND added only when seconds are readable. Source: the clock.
h=3 m=22 s=43
